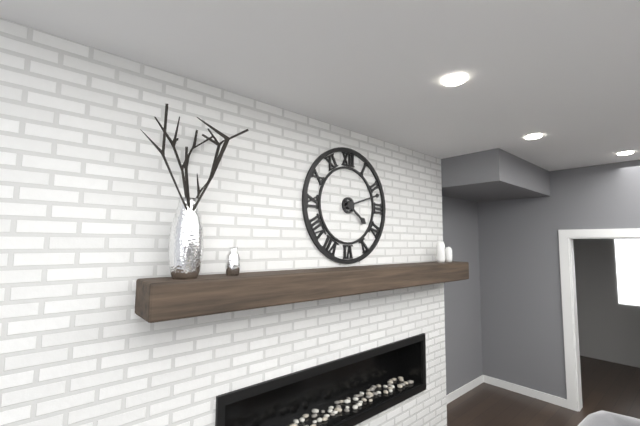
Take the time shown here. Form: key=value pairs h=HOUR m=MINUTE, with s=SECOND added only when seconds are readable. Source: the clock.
h=4 m=12
